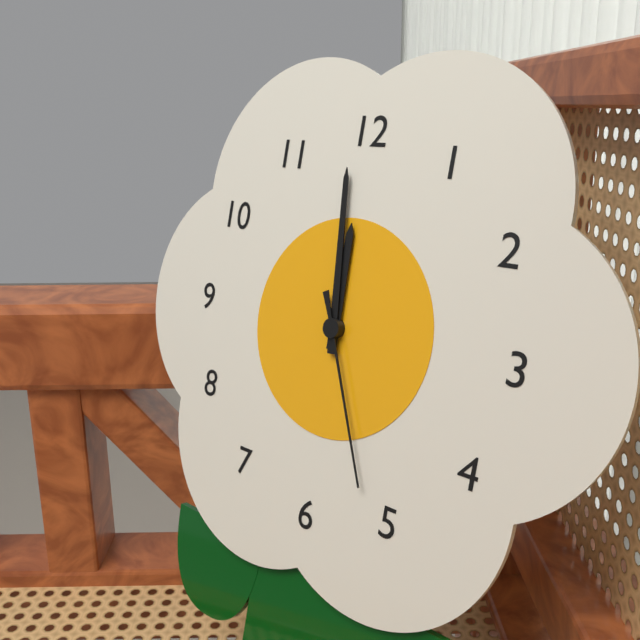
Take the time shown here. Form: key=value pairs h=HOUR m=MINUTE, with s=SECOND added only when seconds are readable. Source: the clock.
h=11 m=59 s=26
